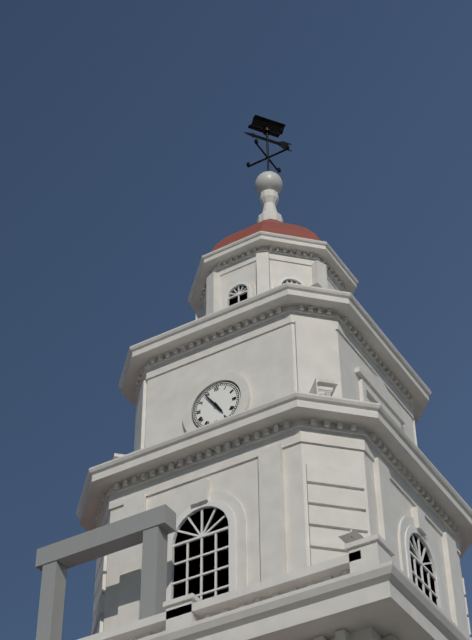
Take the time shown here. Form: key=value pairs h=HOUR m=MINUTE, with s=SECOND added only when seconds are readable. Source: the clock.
h=4 m=54
